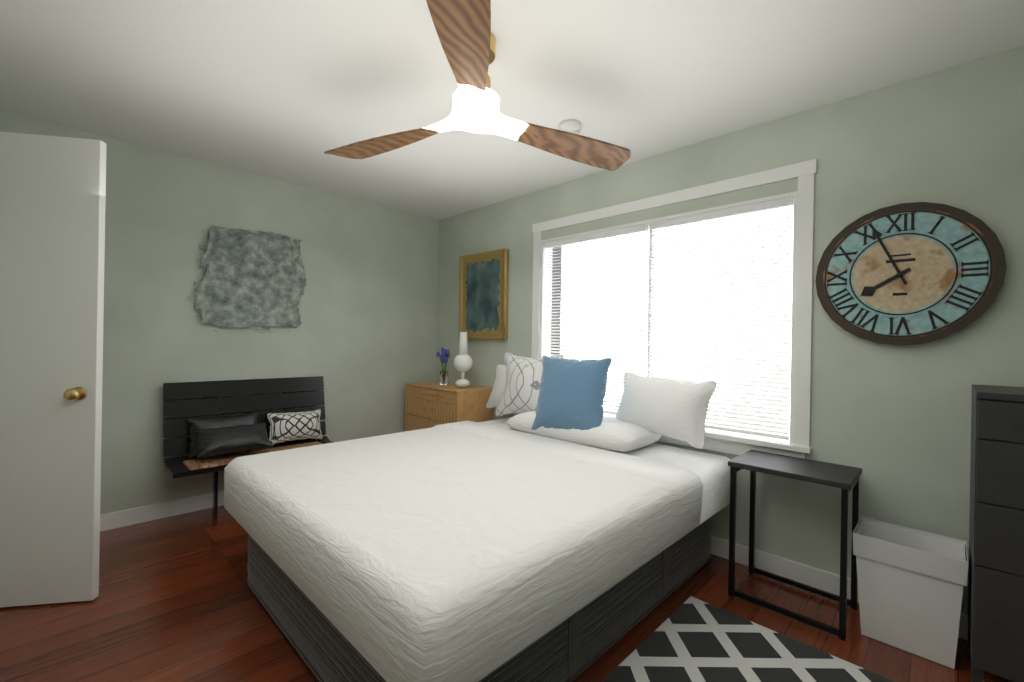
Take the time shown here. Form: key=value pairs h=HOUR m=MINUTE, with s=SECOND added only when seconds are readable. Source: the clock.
h=7 m=56
